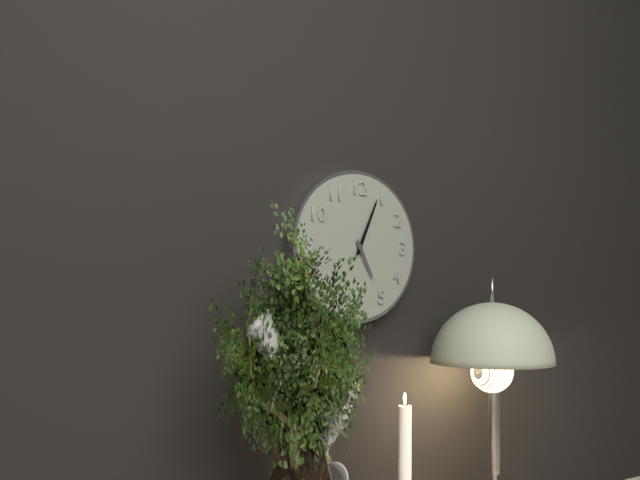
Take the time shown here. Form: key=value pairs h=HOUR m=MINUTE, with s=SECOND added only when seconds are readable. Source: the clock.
h=5 m=4
